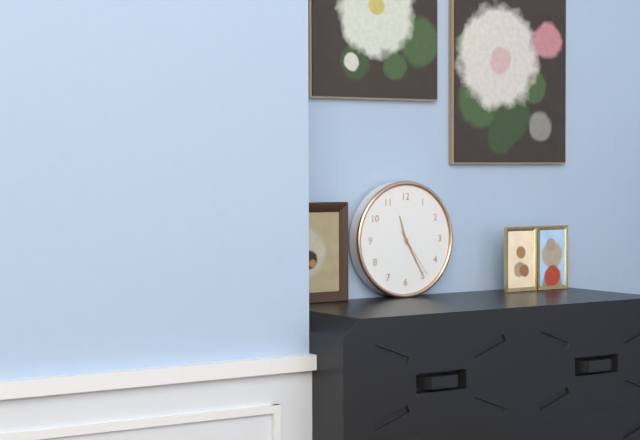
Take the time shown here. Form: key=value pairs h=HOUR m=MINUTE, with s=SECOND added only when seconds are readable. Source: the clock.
h=11 m=25 s=24
